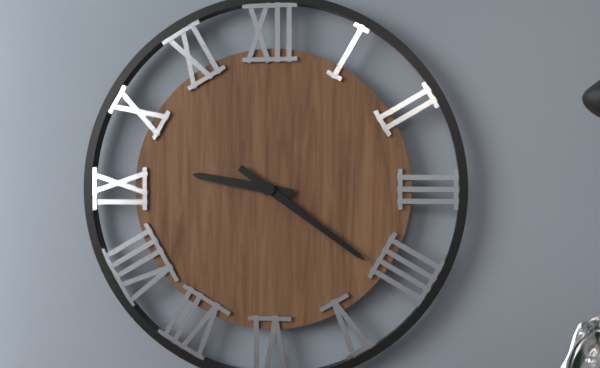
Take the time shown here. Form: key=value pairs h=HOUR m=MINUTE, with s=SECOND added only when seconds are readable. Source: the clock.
h=9 m=21
